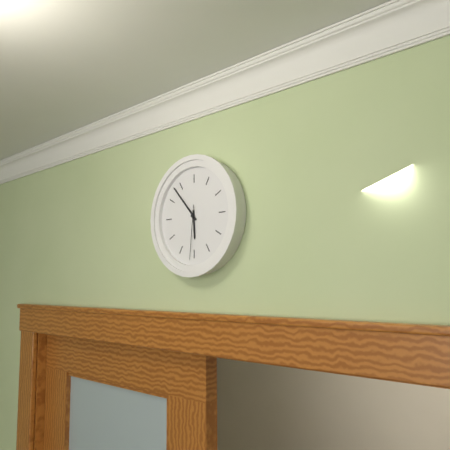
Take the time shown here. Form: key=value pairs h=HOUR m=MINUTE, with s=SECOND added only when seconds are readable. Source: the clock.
h=5 m=53 s=31
